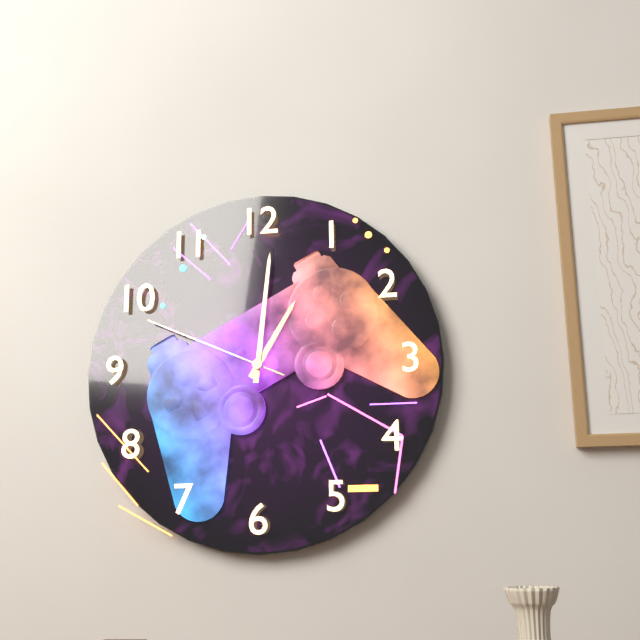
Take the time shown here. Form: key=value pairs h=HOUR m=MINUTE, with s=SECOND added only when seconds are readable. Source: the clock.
h=1 m=1 s=49
